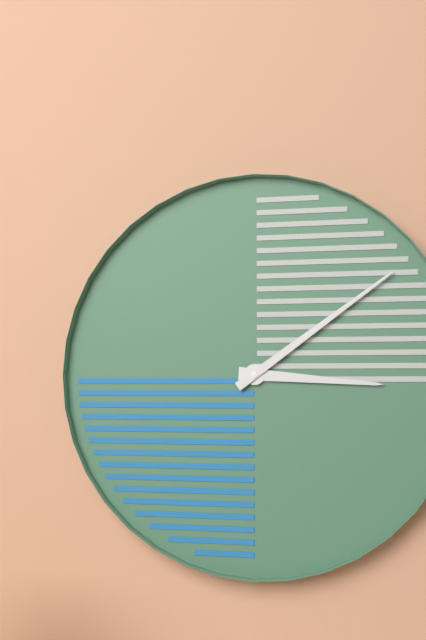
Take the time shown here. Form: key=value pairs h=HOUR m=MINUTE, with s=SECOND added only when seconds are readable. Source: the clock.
h=3 m=9
